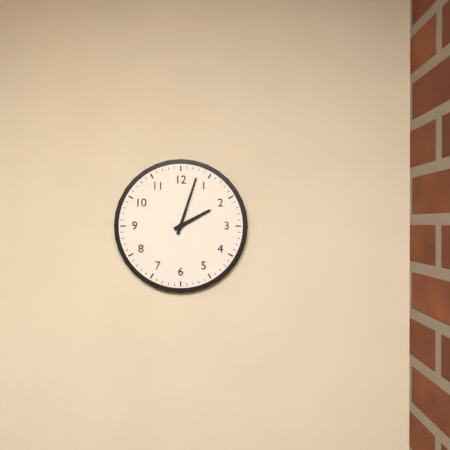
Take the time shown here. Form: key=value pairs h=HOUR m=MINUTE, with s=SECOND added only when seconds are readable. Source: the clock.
h=2 m=3
